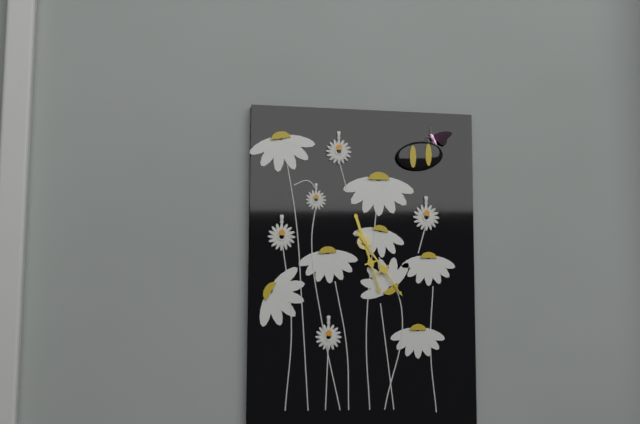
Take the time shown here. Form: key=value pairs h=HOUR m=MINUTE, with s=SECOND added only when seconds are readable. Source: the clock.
h=5 m=24
